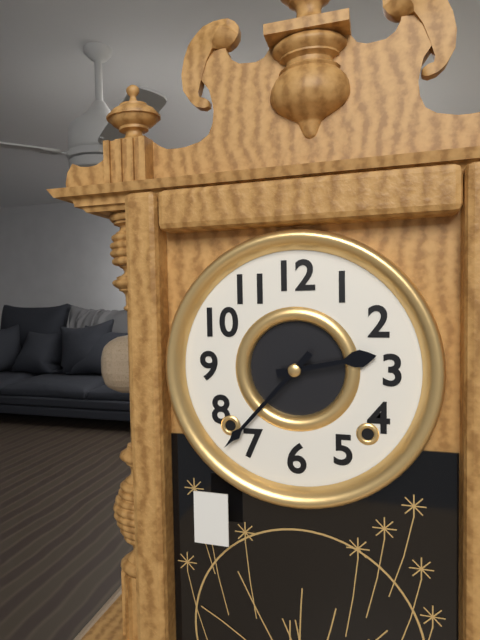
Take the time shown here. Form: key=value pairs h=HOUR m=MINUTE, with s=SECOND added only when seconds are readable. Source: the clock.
h=2 m=37
